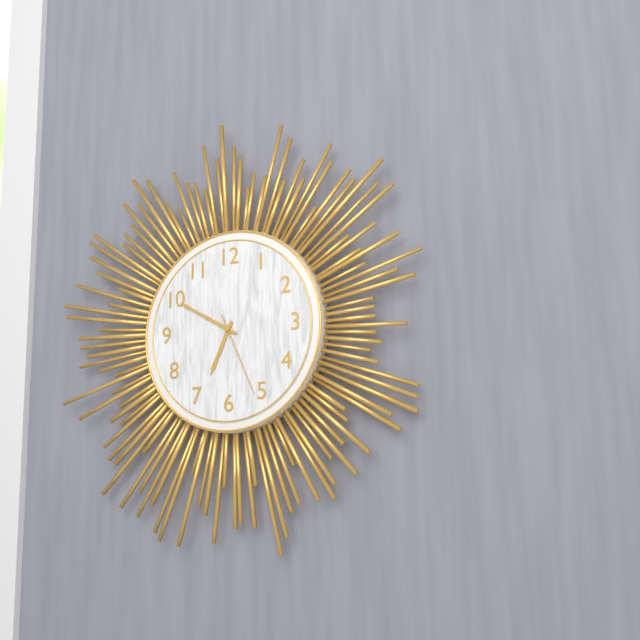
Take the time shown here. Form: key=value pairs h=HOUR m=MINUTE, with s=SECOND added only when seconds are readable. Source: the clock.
h=6 m=50 s=26
